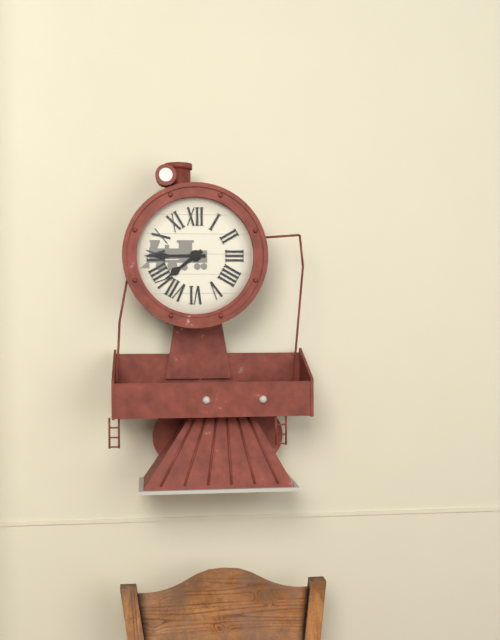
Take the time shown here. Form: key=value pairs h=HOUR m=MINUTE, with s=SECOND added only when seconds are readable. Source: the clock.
h=7 m=45
